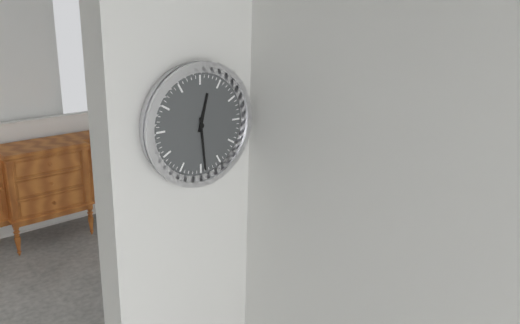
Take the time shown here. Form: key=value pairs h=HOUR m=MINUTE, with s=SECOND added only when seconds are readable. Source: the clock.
h=12 m=29
